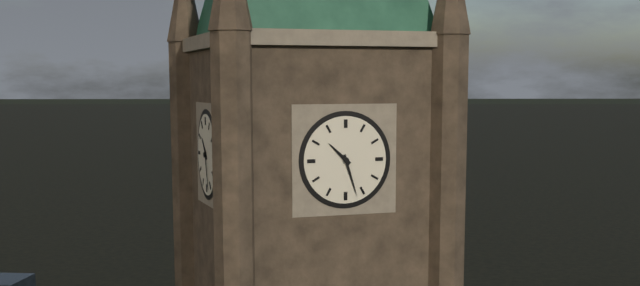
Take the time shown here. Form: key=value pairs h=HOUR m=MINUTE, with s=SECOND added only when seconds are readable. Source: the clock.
h=10 m=27
